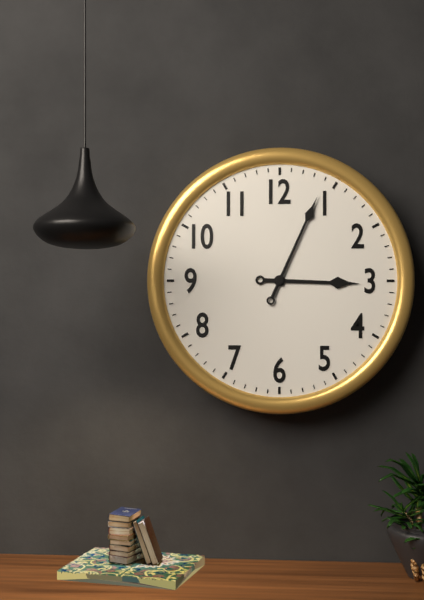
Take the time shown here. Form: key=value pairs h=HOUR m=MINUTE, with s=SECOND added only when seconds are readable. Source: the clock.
h=3 m=4
